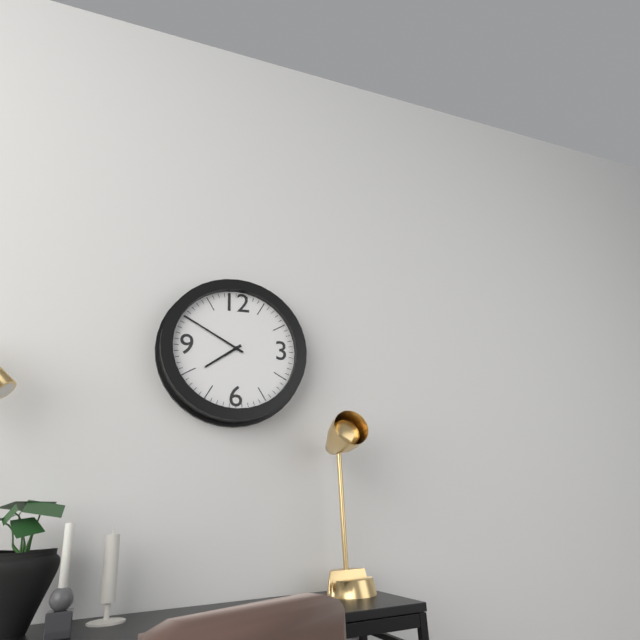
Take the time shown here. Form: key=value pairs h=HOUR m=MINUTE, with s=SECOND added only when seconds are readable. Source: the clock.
h=7 m=50
